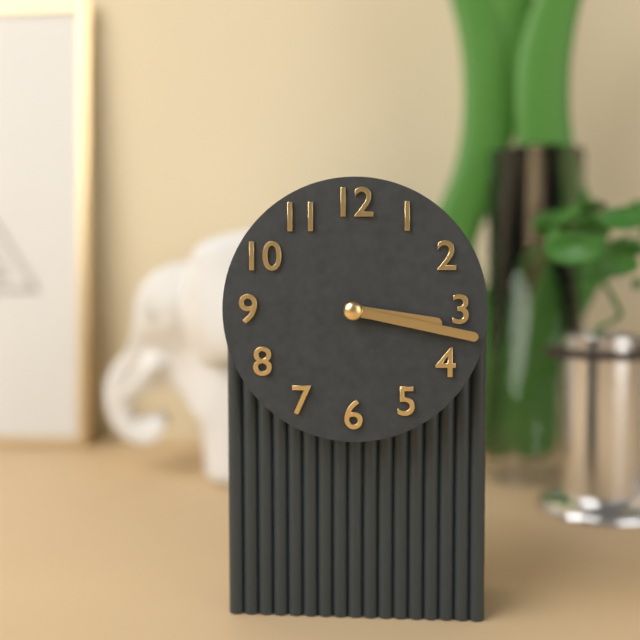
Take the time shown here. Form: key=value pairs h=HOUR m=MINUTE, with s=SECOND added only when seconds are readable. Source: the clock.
h=3 m=17
